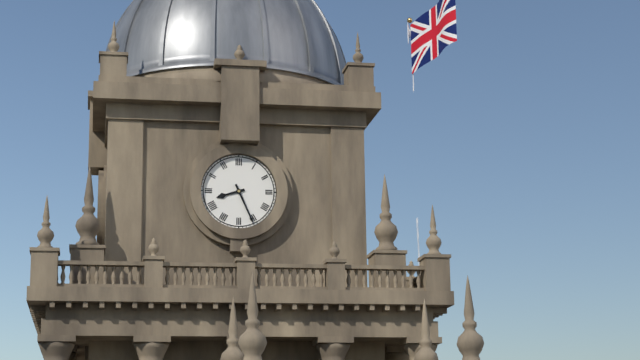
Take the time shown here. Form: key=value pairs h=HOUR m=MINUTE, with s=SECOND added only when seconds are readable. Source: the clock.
h=8 m=26
